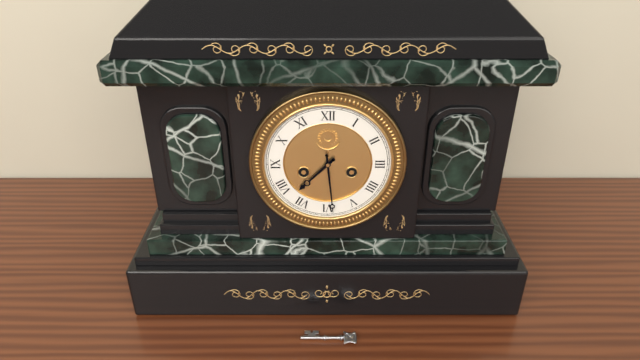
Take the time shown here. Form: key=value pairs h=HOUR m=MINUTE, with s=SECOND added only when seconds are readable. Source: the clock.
h=7 m=29
